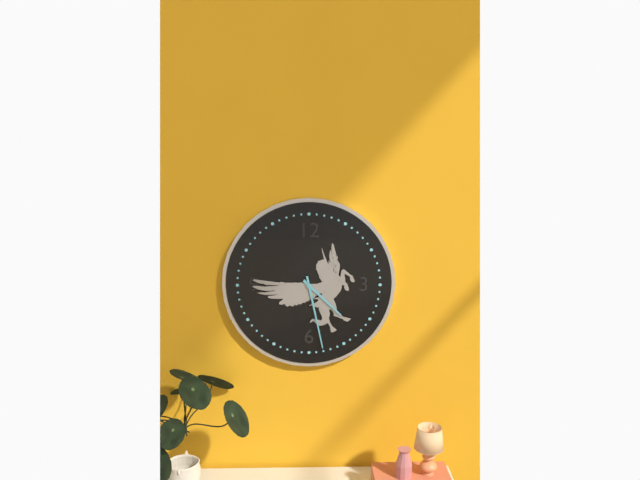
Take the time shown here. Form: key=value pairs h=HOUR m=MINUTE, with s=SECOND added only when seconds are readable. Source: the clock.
h=4 m=28
